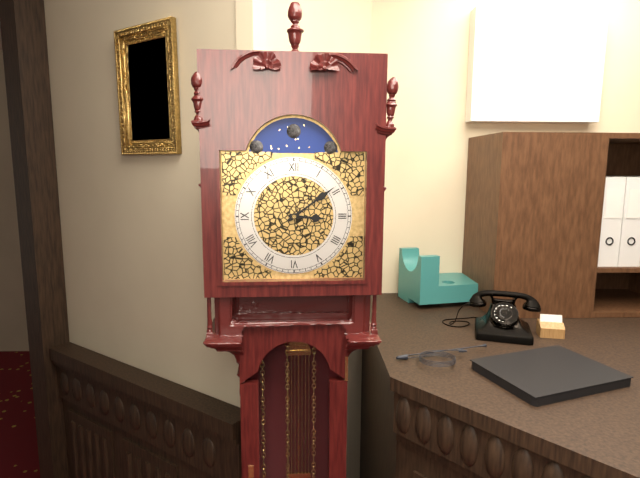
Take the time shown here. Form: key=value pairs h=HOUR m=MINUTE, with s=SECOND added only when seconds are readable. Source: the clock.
h=3 m=9
